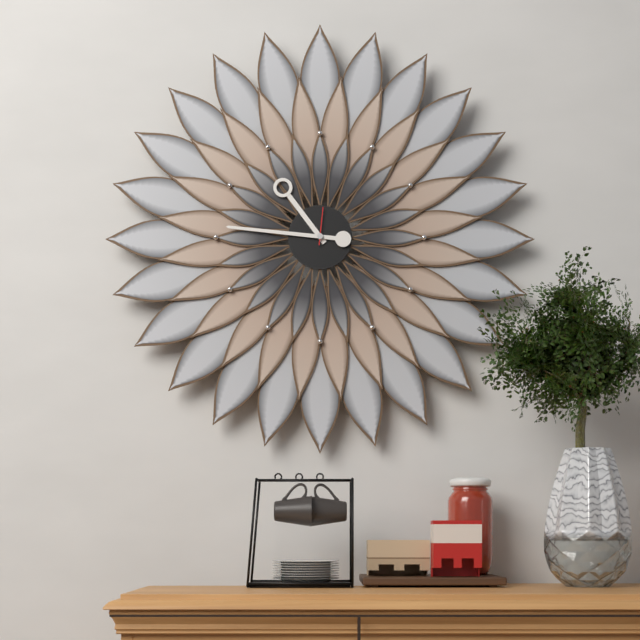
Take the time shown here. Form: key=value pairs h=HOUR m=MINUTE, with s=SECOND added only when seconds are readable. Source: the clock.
h=10 m=46
